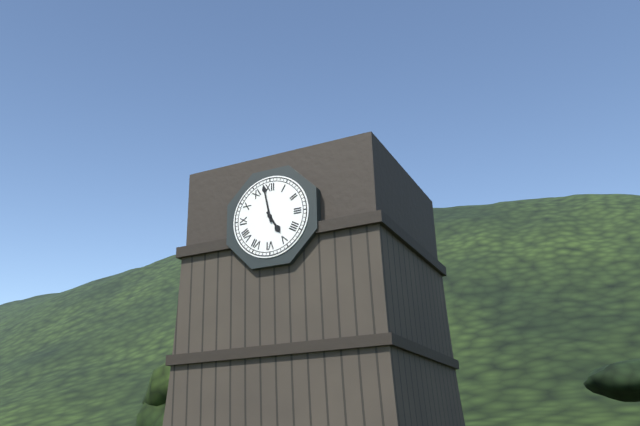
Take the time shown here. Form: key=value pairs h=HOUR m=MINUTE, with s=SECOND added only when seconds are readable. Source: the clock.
h=4 m=58
